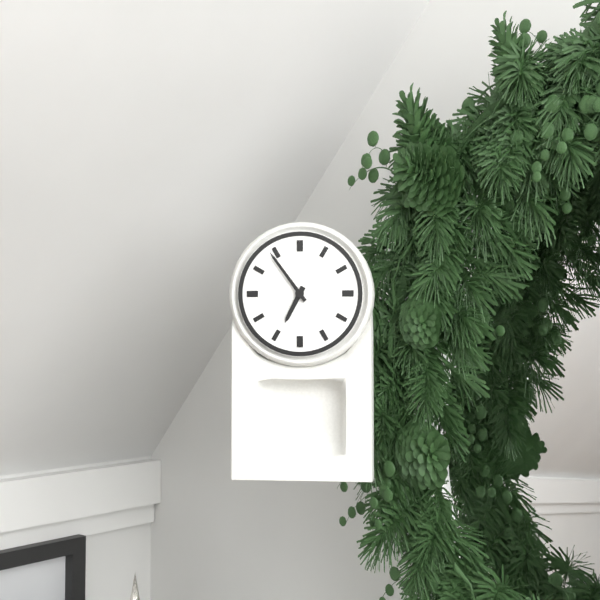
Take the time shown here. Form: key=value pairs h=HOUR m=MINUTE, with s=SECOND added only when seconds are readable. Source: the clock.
h=6 m=54
